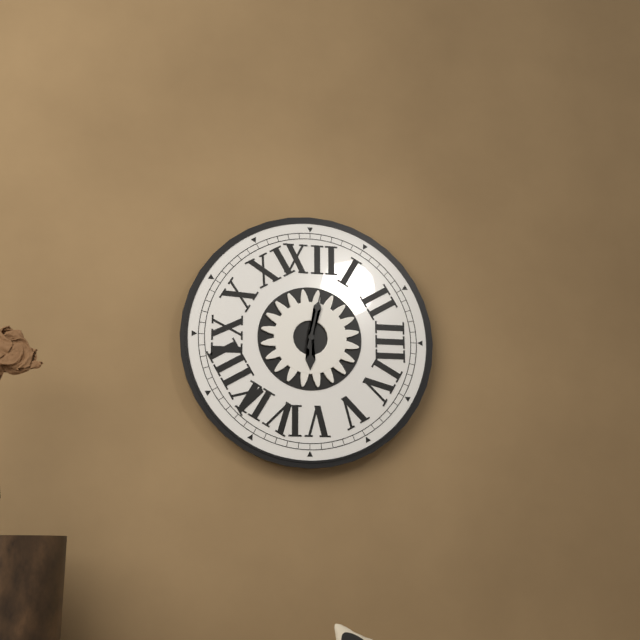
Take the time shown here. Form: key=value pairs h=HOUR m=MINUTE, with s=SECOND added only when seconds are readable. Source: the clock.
h=6 m=2
